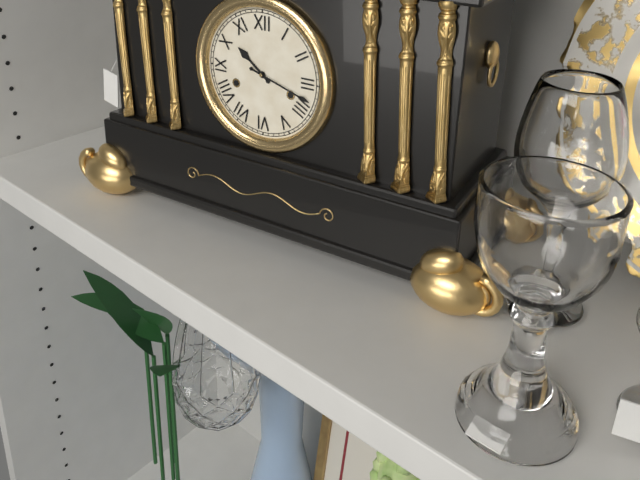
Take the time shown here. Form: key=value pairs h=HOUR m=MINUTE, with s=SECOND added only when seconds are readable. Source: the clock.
h=10 m=18
